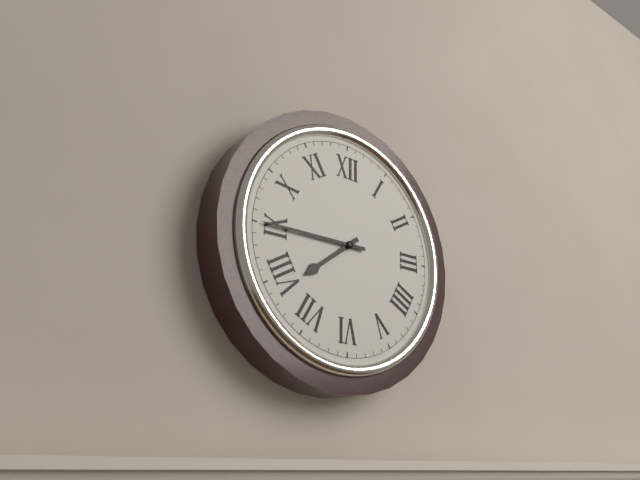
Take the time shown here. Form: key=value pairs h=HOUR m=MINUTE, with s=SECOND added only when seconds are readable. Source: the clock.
h=7 m=45
